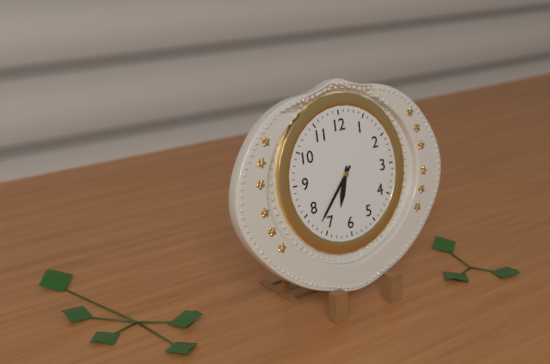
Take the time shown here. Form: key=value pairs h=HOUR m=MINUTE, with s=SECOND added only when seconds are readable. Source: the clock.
h=6 m=37
